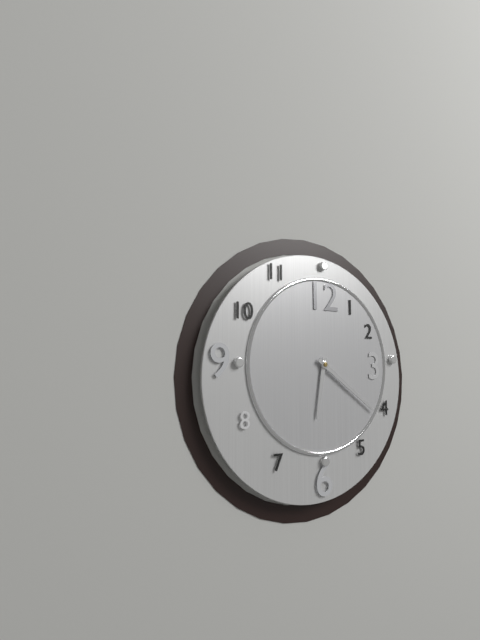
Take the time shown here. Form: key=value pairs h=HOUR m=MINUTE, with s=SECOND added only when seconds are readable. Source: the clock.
h=6 m=21
